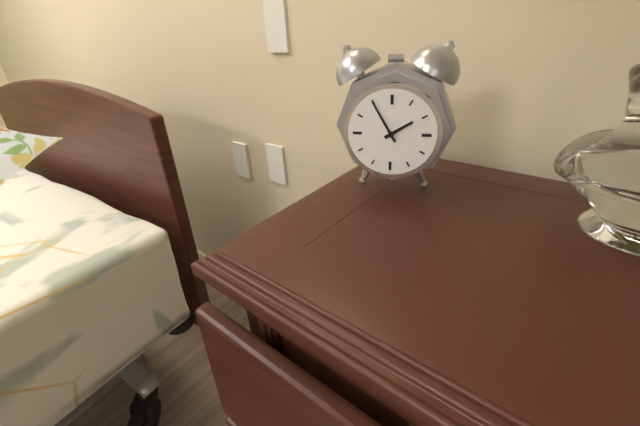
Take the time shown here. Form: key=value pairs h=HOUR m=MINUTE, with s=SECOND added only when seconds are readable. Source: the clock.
h=1 m=55
